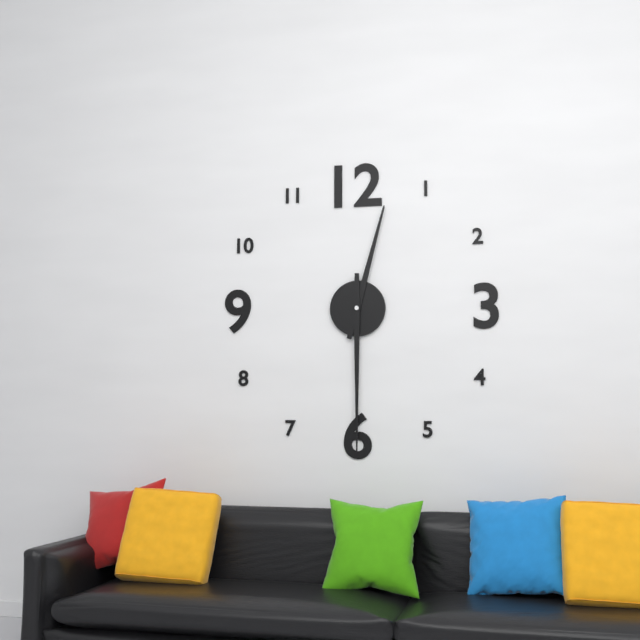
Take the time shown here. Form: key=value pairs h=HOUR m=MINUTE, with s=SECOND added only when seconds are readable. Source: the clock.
h=12 m=30
